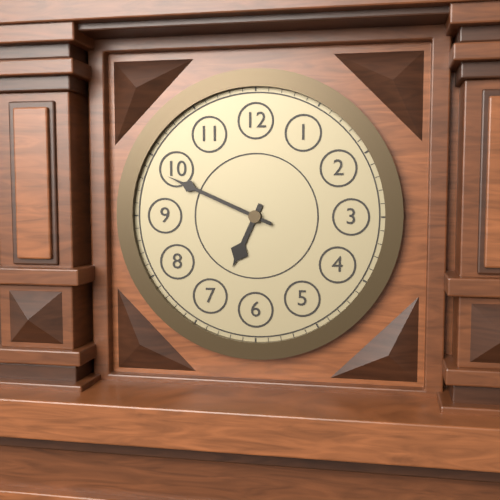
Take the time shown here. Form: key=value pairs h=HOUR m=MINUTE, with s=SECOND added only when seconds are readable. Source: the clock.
h=6 m=49
